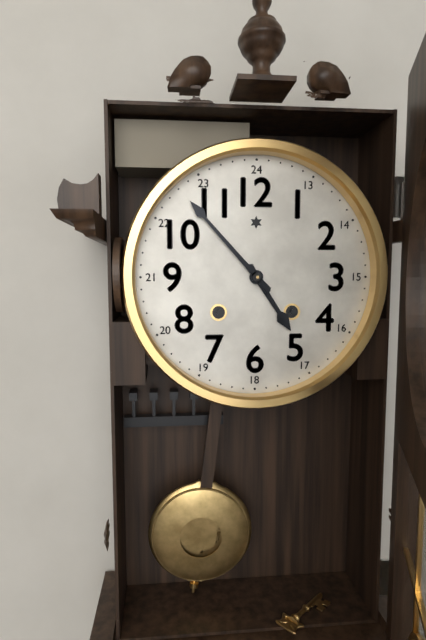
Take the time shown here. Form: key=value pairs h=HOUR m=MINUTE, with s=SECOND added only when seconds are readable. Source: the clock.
h=4 m=53
